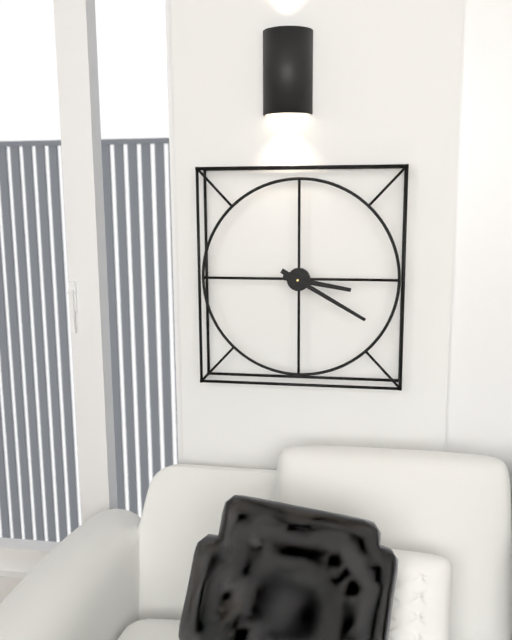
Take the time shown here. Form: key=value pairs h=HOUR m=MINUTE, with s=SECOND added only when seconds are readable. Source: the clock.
h=3 m=20
